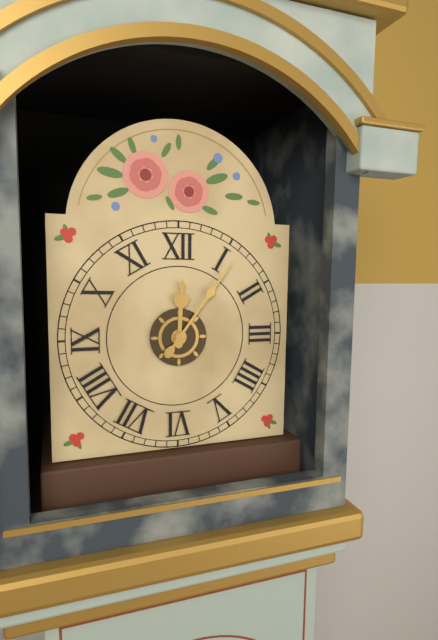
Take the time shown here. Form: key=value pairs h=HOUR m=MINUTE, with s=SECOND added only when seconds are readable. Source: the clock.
h=12 m=6
